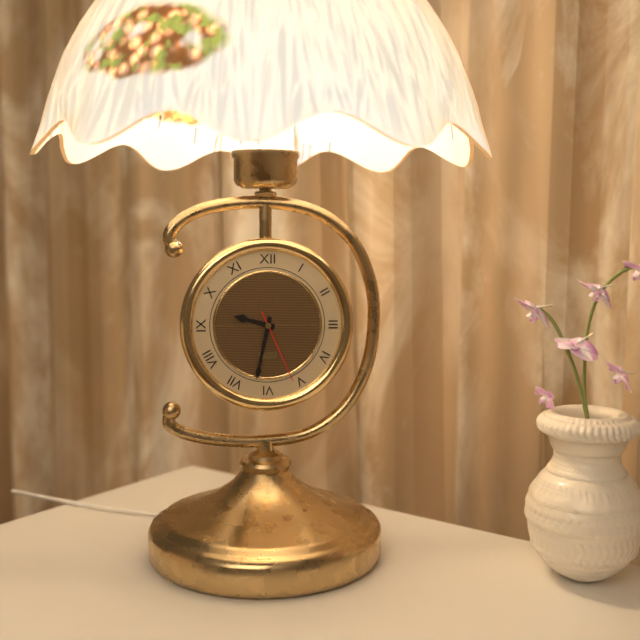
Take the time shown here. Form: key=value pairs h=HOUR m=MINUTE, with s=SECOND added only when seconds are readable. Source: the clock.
h=9 m=32 s=26
